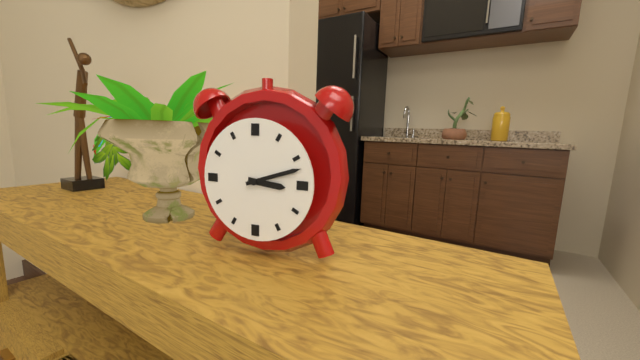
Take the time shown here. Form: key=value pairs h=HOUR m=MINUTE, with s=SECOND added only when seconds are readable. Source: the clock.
h=3 m=12
